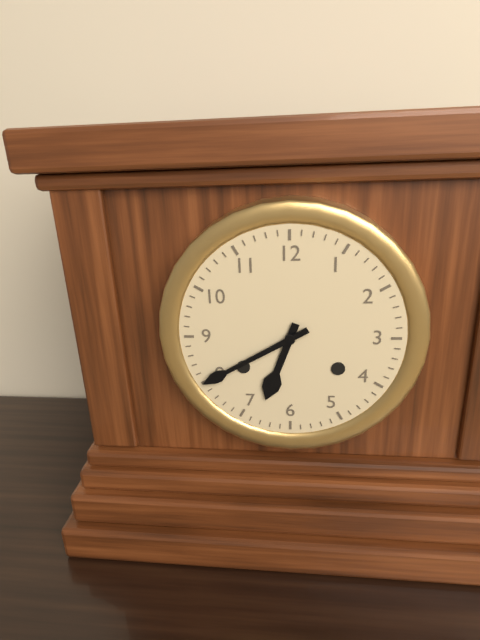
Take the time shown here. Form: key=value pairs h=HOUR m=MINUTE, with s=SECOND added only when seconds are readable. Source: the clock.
h=6 m=40
